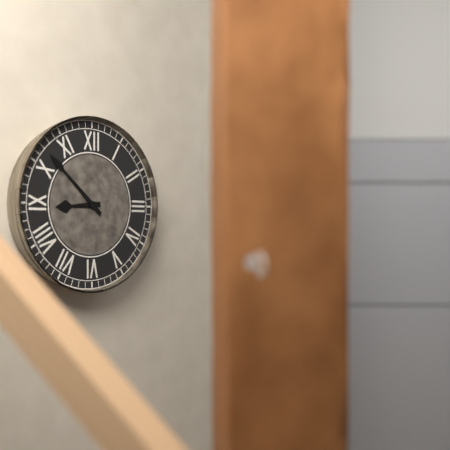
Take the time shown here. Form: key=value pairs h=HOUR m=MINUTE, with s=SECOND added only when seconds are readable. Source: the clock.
h=8 m=52
